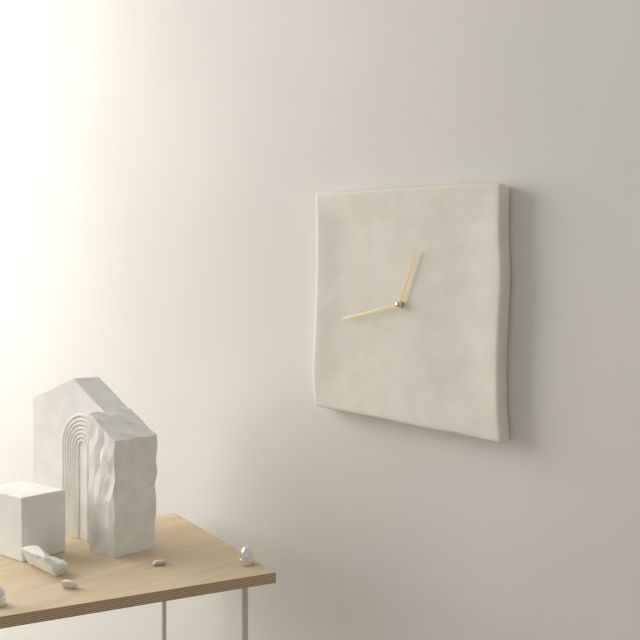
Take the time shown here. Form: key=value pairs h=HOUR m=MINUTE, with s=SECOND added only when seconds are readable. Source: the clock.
h=12 m=43
